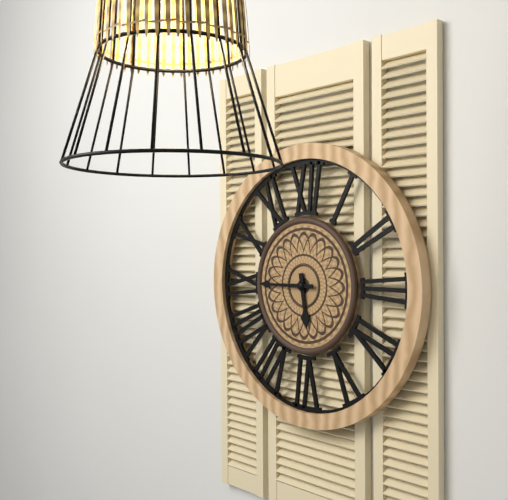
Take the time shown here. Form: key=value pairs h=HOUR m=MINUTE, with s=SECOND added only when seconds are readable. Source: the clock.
h=5 m=45
